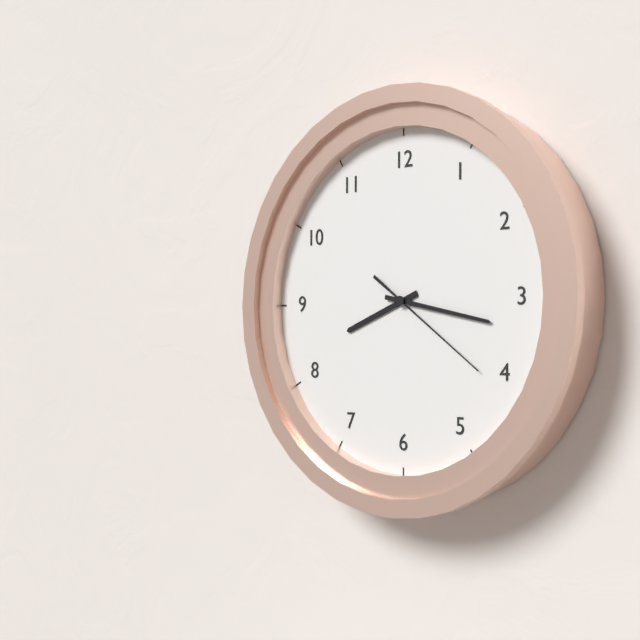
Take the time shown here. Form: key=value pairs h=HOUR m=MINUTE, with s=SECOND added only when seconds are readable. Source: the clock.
h=8 m=17 s=21
